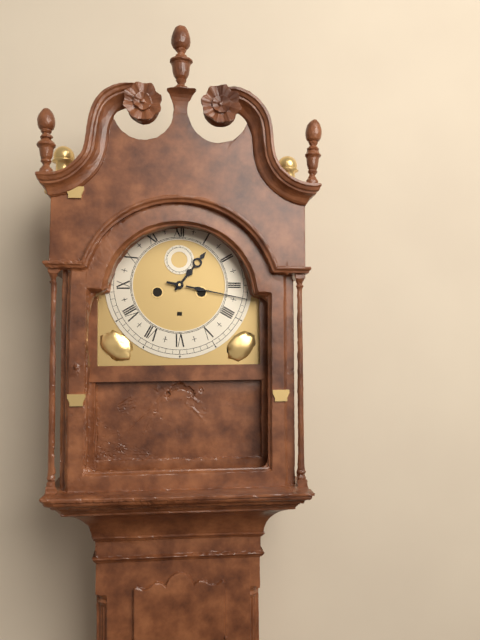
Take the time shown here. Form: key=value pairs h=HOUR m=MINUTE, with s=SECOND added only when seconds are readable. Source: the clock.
h=1 m=17
